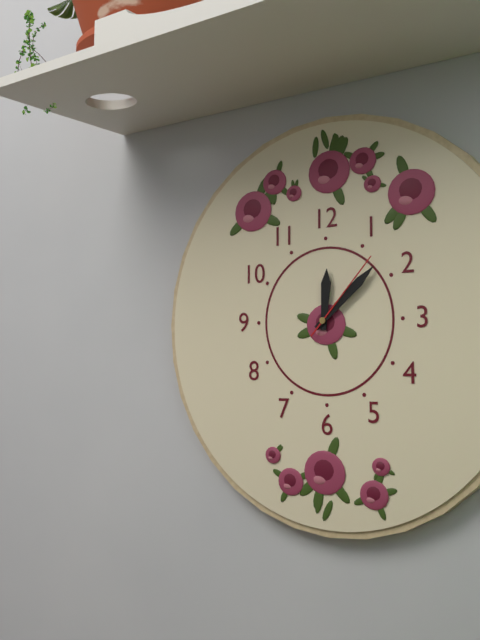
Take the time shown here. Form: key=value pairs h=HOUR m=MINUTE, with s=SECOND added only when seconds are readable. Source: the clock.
h=12 m=8 s=7
